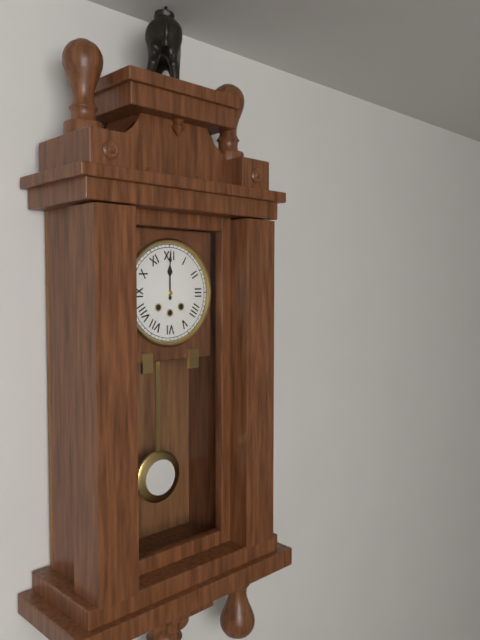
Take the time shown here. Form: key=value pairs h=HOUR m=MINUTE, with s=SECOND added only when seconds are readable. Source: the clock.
h=12 m=0
